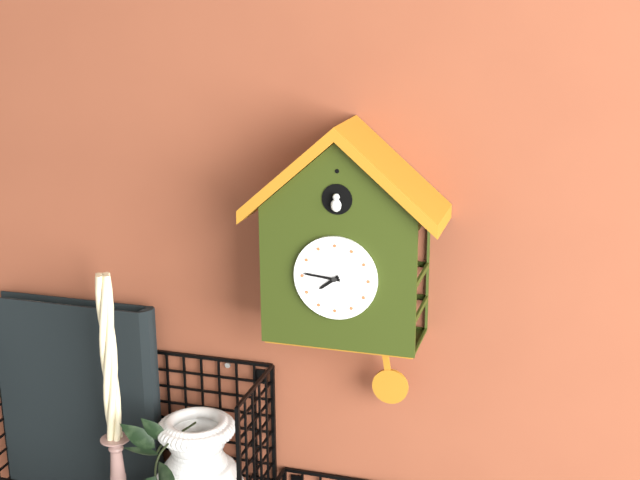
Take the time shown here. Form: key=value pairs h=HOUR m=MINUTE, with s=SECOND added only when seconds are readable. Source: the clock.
h=7 m=46
